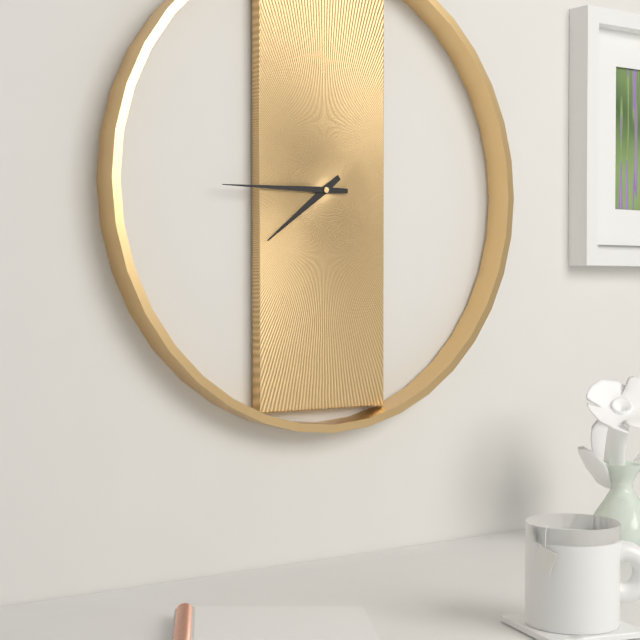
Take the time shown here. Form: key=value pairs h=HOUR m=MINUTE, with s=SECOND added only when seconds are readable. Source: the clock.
h=7 m=45
